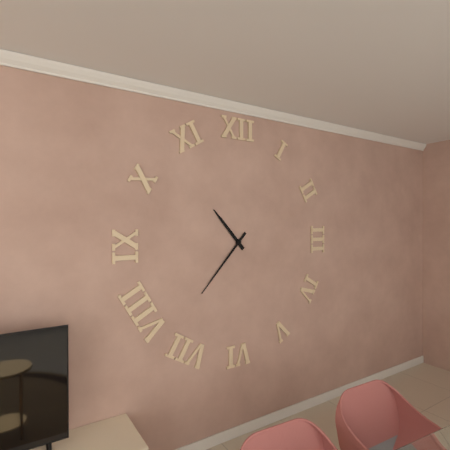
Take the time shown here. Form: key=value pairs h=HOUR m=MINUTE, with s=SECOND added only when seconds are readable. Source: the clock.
h=10 m=37
